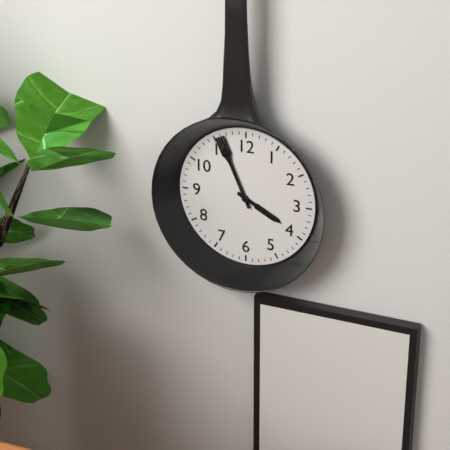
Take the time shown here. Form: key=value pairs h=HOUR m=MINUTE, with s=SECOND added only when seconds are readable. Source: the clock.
h=3 m=56
